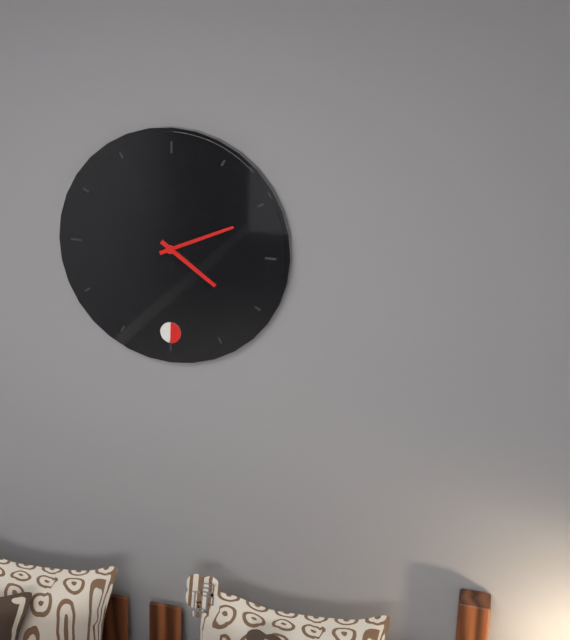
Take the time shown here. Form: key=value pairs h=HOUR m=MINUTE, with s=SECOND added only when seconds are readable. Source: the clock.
h=4 m=11
